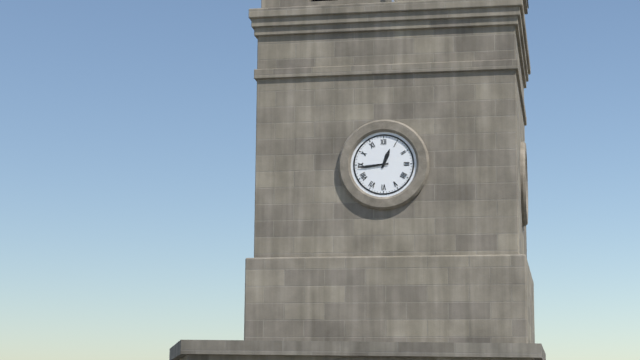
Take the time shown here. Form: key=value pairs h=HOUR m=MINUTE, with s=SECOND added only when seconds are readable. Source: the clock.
h=12 m=44
